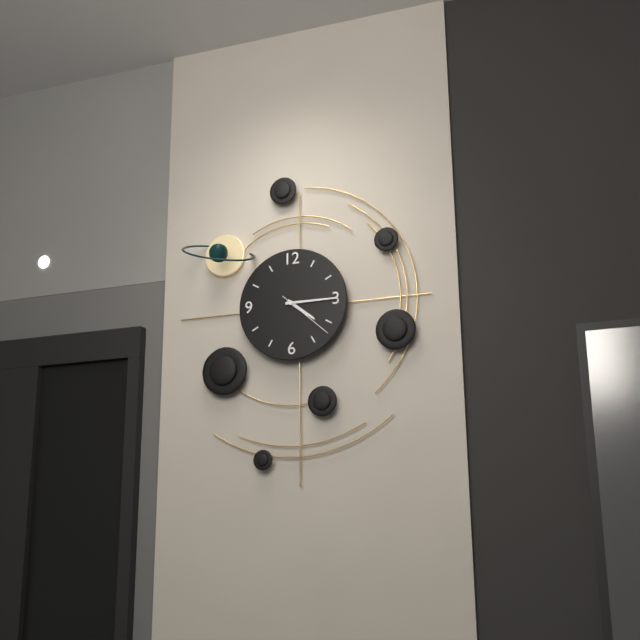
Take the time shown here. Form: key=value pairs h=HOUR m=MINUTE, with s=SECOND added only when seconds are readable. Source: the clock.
h=4 m=15 s=22
